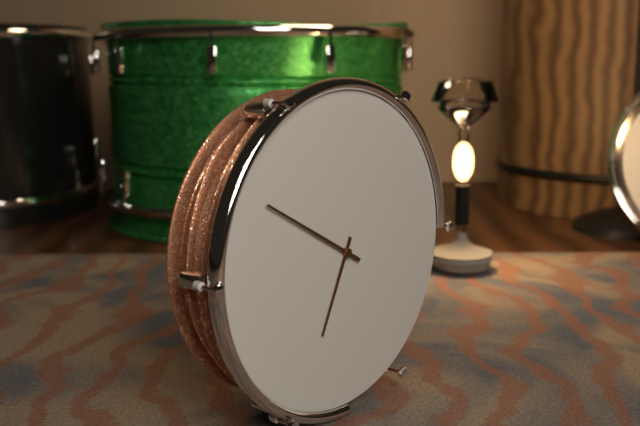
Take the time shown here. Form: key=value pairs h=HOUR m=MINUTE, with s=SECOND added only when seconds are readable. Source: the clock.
h=6 m=50
